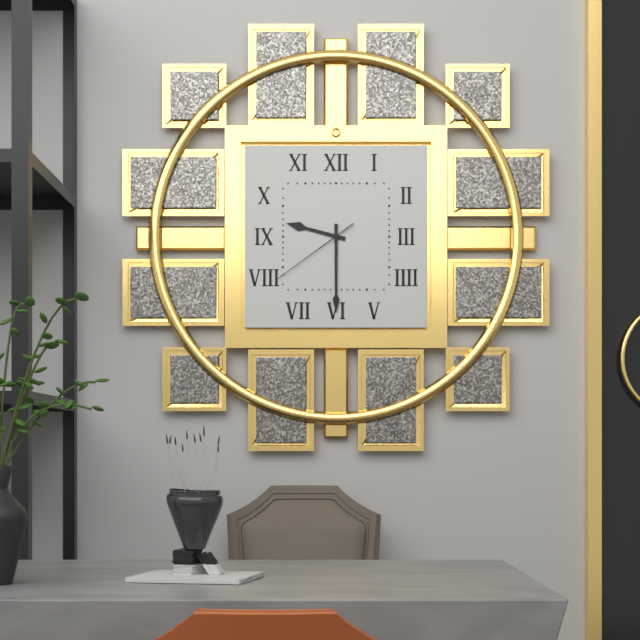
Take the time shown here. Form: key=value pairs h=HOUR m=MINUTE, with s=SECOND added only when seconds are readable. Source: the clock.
h=9 m=30 s=39
